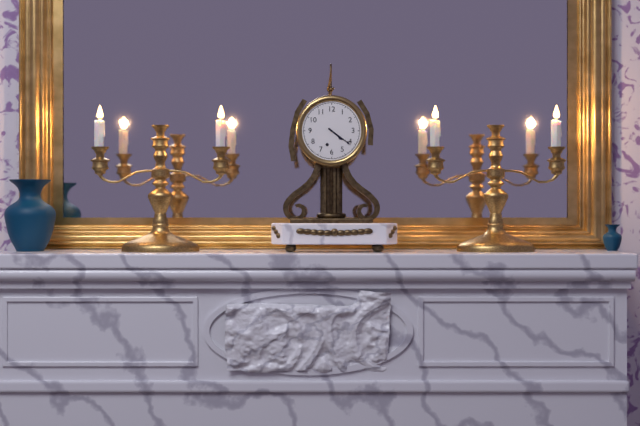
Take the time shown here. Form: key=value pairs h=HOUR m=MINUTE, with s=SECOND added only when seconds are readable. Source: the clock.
h=4 m=21
